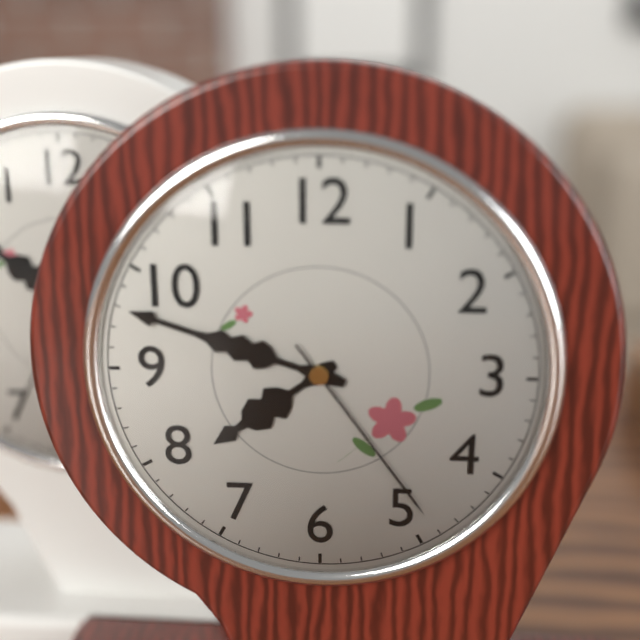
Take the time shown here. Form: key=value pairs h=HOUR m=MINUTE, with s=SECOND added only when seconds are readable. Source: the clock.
h=7 m=48 s=24
